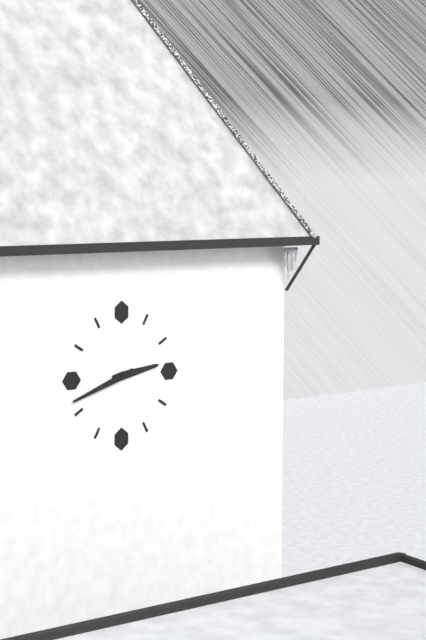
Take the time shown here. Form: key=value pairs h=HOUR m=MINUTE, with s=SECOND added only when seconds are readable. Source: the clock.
h=2 m=42
